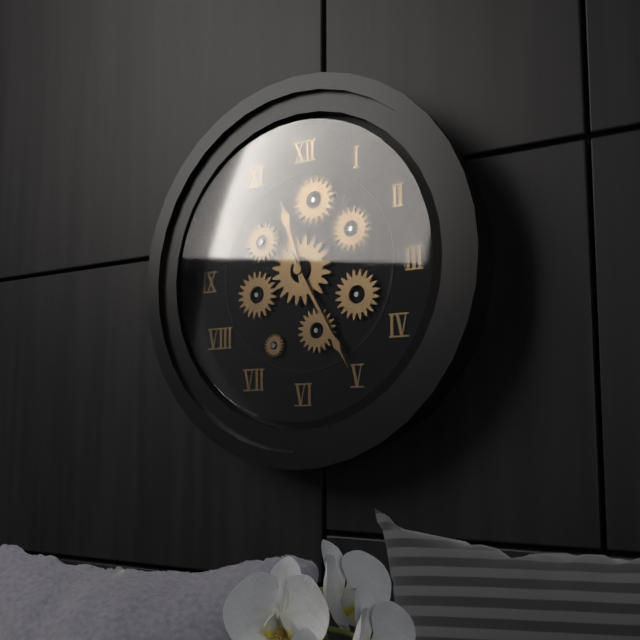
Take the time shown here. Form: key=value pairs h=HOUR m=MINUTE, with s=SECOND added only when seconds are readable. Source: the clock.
h=11 m=25
